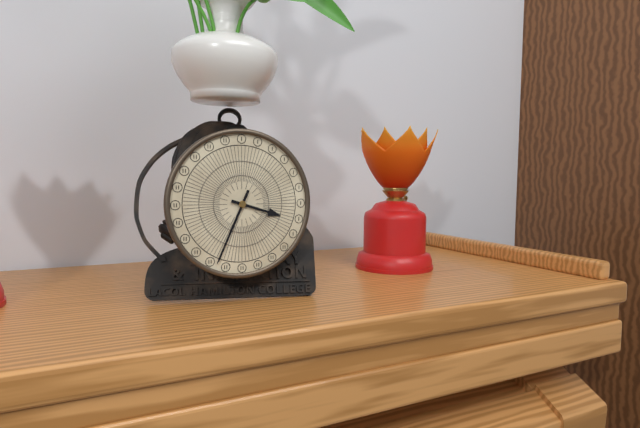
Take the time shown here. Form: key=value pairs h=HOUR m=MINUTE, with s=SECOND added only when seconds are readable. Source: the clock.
h=3 m=34
